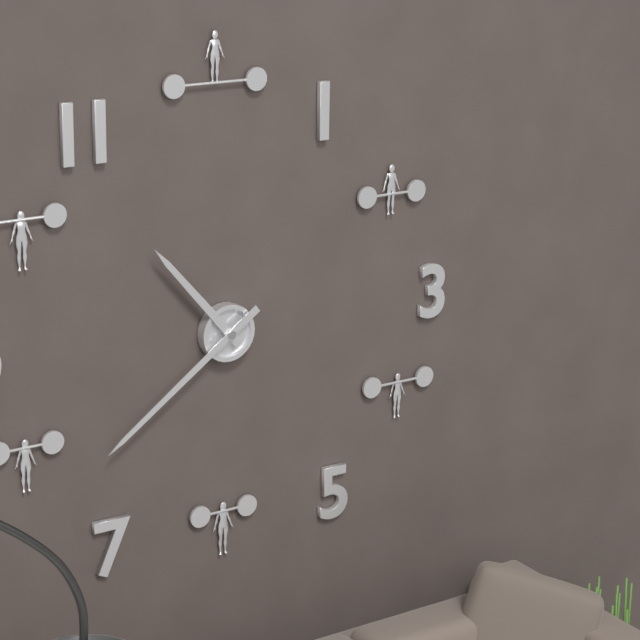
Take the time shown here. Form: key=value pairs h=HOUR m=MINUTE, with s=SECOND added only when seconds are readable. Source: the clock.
h=10 m=39
